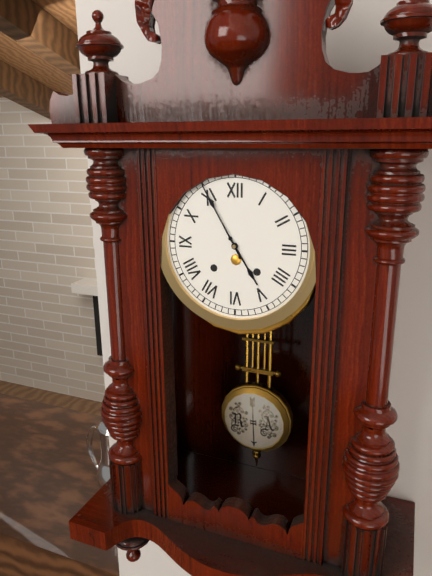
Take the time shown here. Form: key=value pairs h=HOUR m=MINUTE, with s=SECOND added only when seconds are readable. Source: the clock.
h=4 m=55
